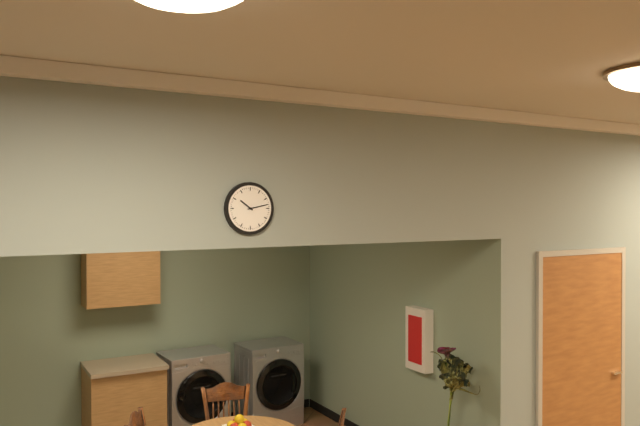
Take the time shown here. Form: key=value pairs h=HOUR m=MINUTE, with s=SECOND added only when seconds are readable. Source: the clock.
h=10 m=13
